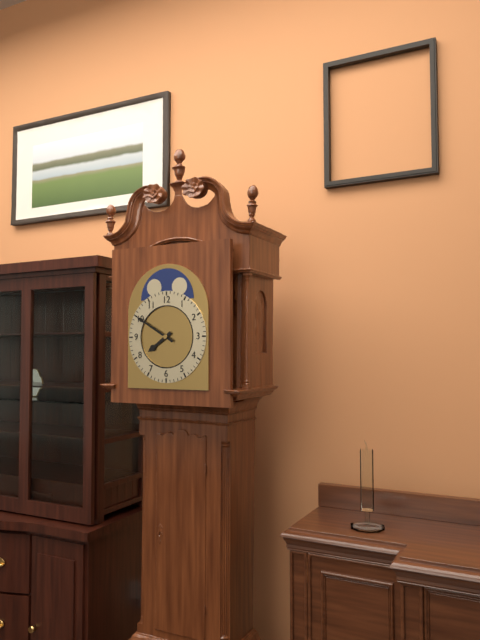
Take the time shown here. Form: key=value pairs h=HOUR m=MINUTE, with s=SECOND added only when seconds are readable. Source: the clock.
h=7 m=50
